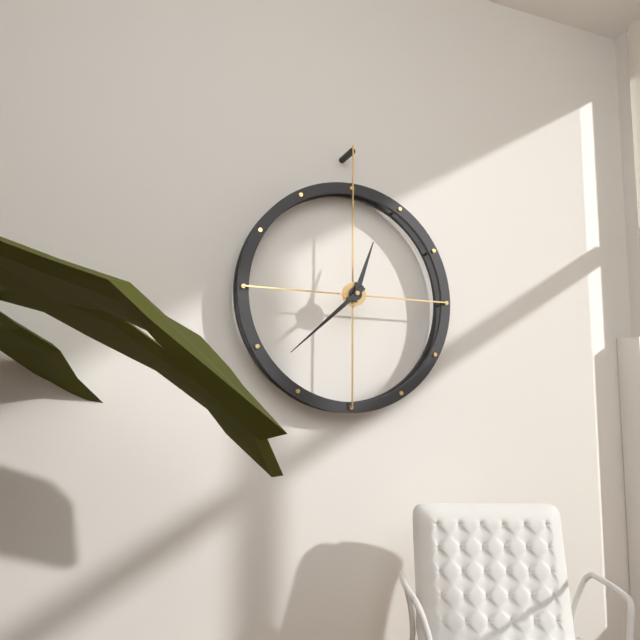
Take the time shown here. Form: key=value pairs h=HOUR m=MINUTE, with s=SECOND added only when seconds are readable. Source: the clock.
h=12 m=38
